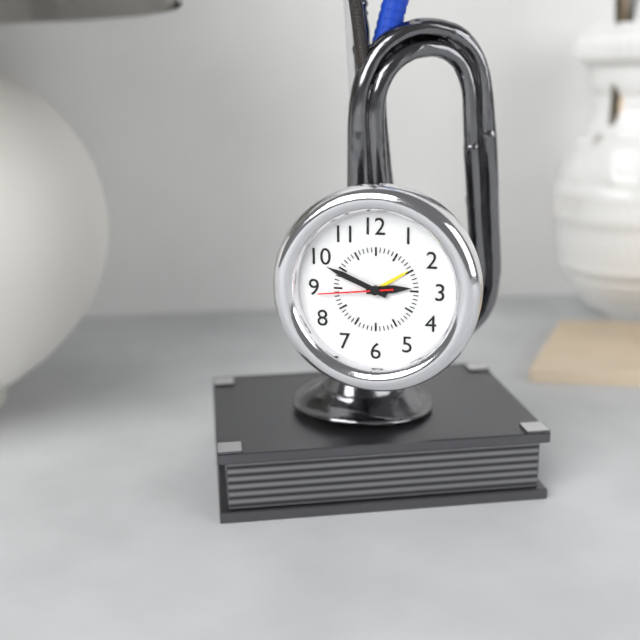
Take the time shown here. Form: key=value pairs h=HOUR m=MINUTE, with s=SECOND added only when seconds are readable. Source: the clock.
h=2 m=49 s=44
